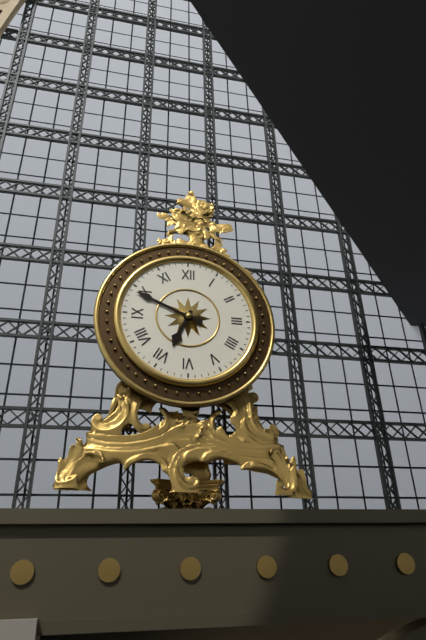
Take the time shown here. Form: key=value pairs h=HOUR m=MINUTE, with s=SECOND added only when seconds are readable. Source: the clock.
h=6 m=49
